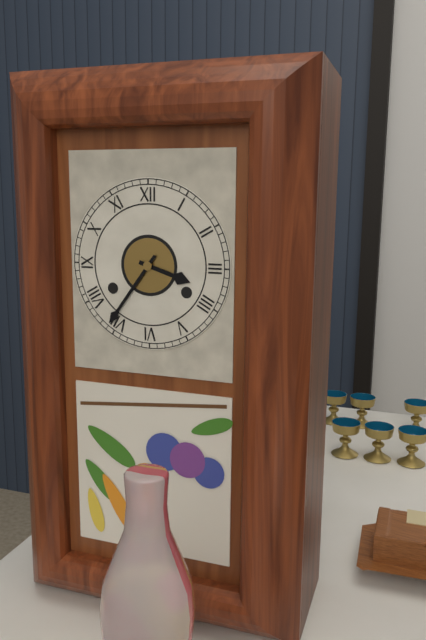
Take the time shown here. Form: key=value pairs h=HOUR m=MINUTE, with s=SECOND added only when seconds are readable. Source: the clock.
h=3 m=36
